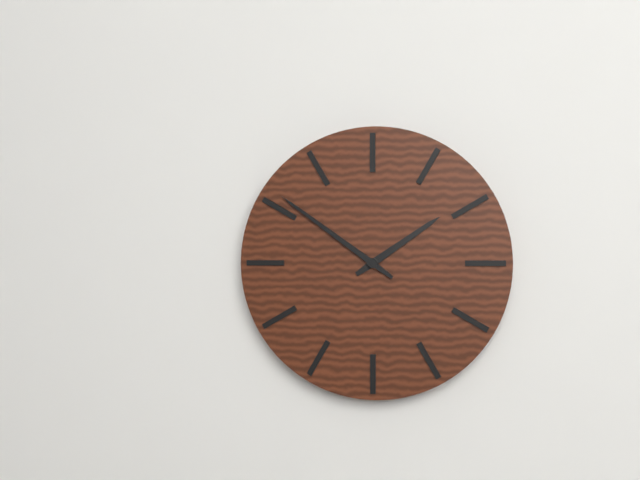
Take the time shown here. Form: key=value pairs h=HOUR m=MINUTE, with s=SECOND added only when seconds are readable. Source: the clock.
h=1 m=51
